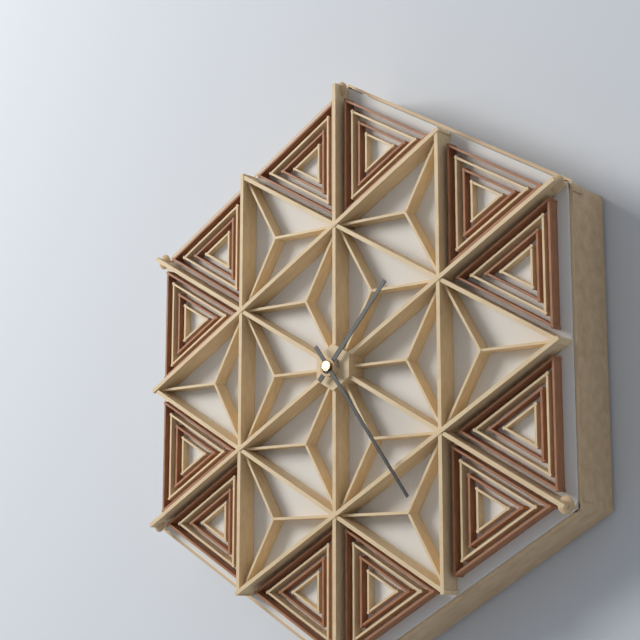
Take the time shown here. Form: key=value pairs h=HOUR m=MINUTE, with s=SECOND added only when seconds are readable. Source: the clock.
h=1 m=24
